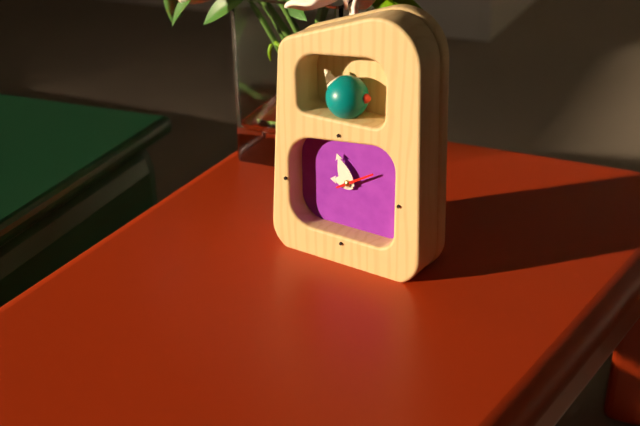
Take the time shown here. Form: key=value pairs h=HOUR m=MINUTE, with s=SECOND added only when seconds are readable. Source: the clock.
h=8 m=56
